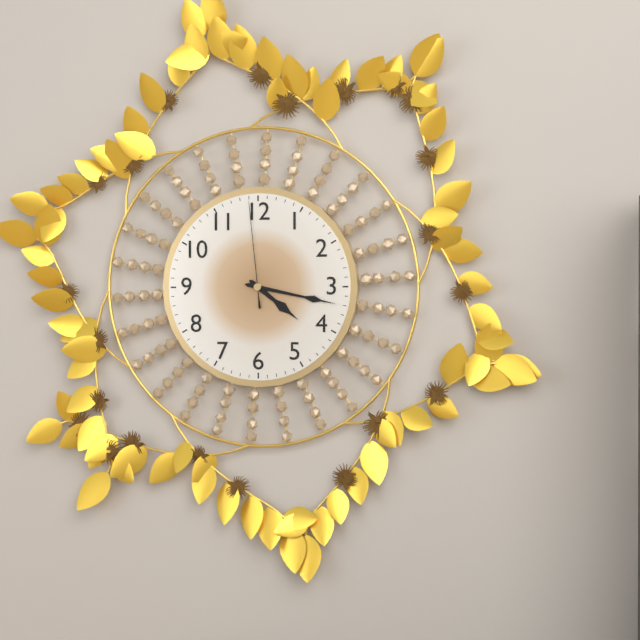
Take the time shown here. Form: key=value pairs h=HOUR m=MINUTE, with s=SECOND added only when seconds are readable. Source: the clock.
h=4 m=17 s=59
